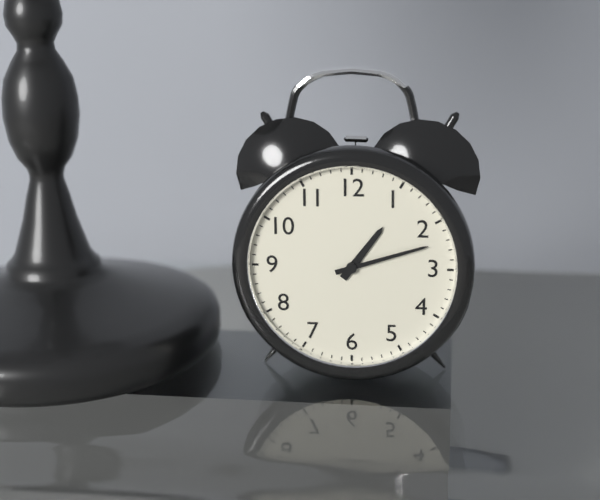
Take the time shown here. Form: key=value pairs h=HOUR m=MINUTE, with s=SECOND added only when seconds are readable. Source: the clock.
h=1 m=12
